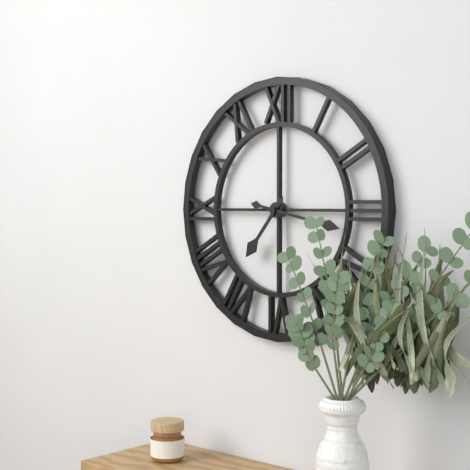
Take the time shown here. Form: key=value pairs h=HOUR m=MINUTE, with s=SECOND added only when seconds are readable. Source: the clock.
h=7 m=17
